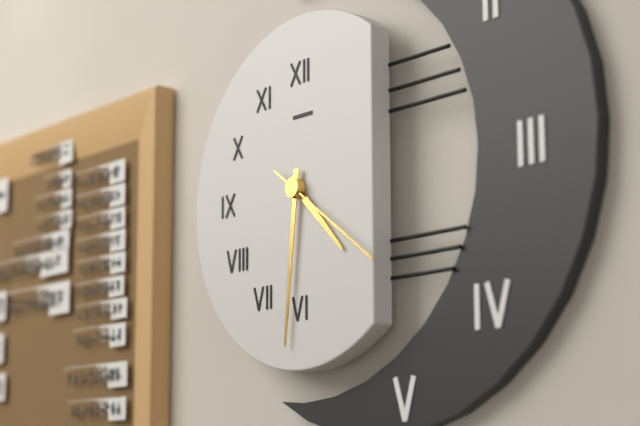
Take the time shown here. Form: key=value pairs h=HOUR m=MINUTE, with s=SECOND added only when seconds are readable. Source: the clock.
h=4 m=31 s=21
